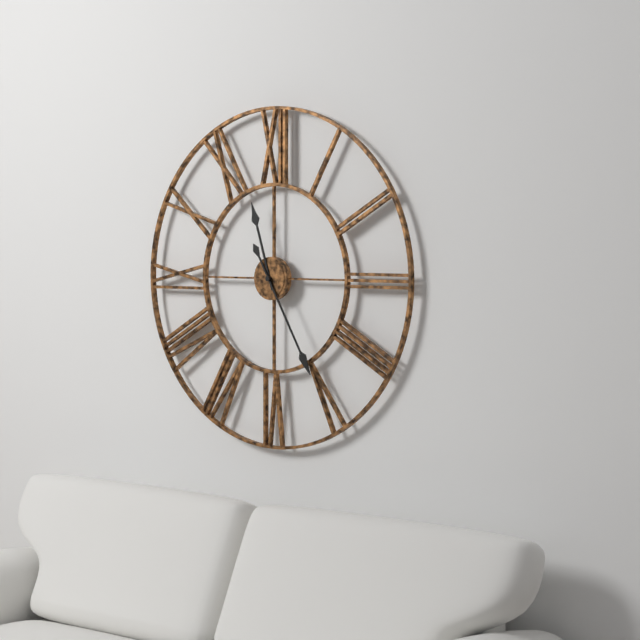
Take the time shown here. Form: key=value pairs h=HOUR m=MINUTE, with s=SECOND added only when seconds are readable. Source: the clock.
h=11 m=25
